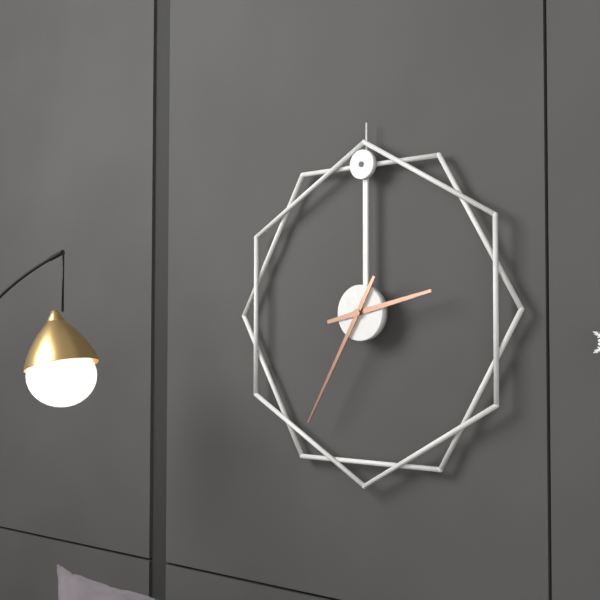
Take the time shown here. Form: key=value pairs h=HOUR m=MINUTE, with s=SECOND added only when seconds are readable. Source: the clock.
h=2 m=35
